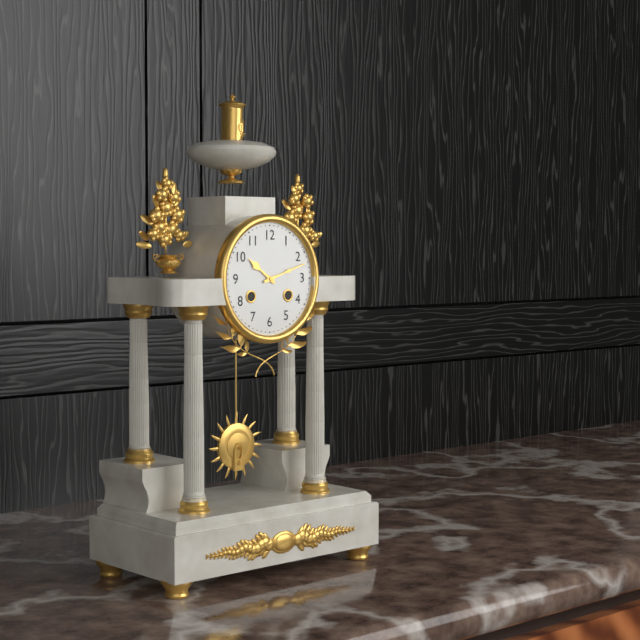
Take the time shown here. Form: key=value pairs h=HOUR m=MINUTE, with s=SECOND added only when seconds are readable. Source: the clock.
h=10 m=12
